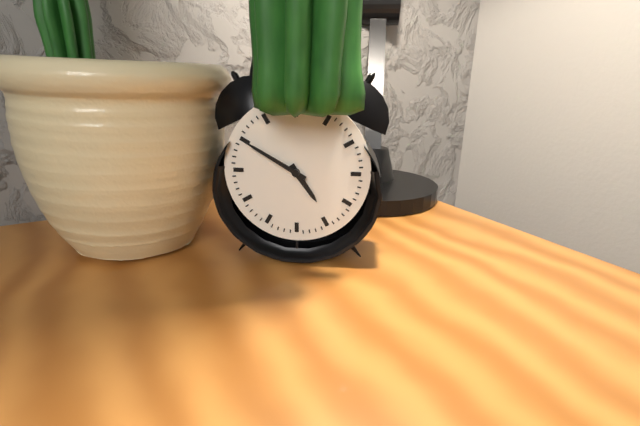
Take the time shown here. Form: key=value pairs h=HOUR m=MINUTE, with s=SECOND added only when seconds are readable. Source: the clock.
h=4 m=50
